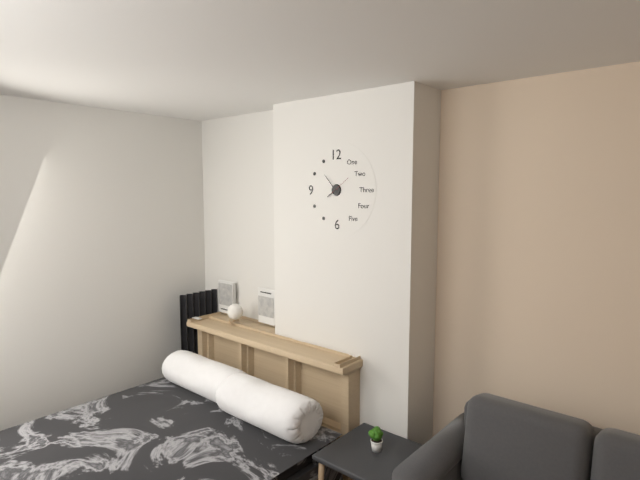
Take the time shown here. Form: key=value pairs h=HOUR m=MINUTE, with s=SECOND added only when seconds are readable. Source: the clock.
h=7 m=53
